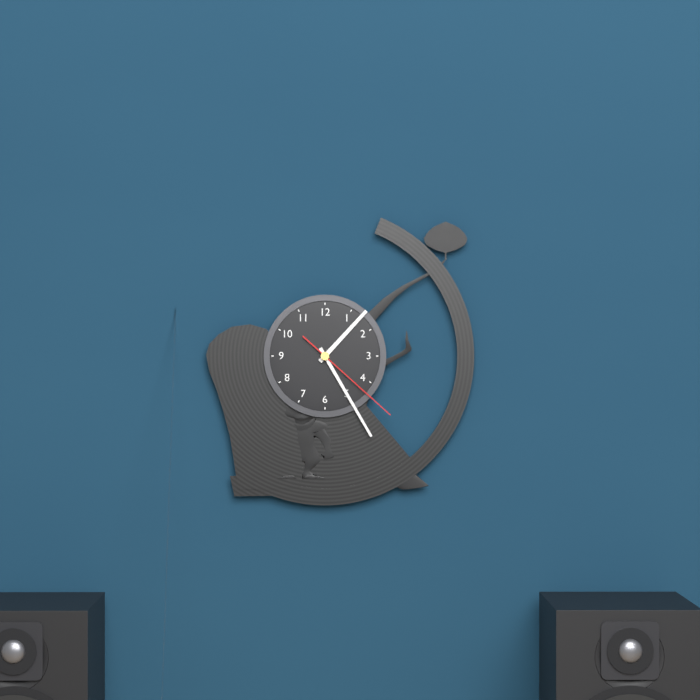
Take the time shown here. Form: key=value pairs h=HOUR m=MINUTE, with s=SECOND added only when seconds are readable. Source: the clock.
h=1 m=25 s=22
